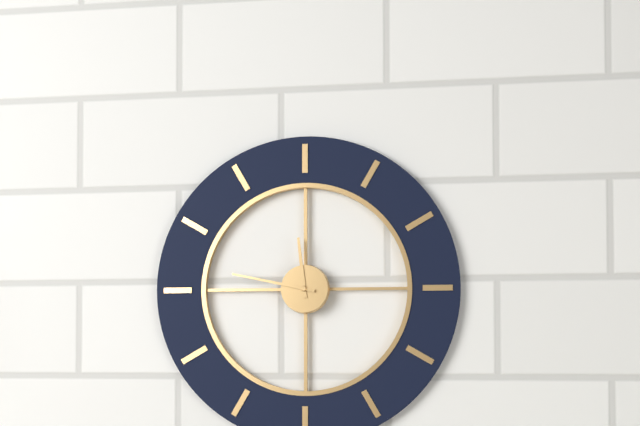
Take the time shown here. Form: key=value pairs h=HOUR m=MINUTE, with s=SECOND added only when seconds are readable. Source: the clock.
h=11 m=47
